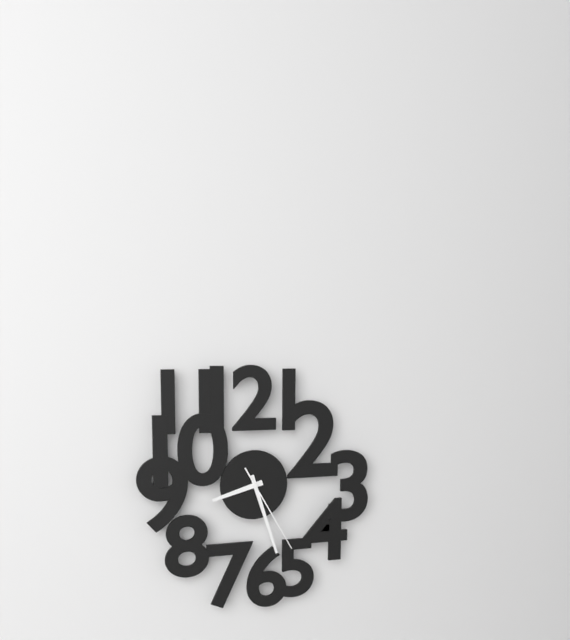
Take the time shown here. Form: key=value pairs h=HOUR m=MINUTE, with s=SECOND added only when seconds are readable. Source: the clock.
h=8 m=27 s=25
